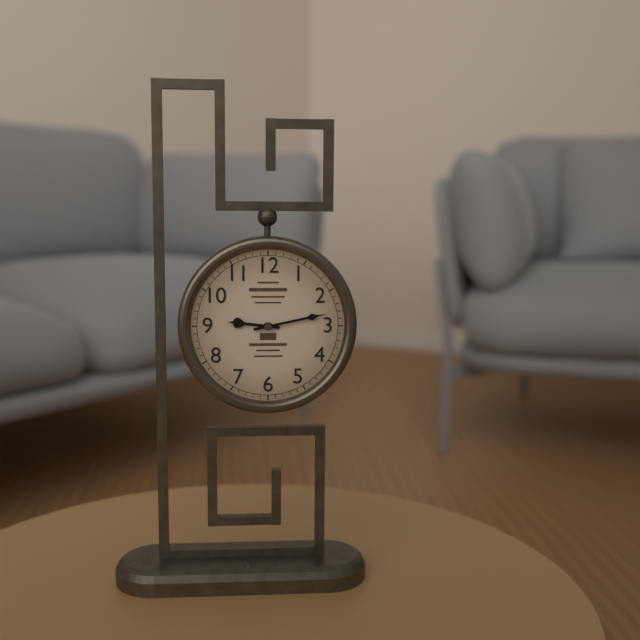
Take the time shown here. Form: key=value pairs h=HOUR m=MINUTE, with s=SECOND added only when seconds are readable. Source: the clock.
h=9 m=13
